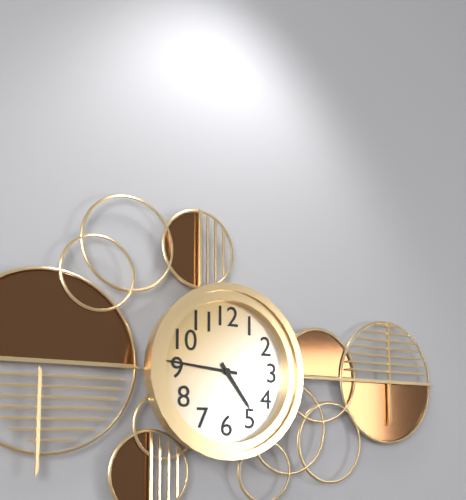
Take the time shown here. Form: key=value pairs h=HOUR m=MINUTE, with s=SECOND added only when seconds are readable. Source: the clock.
h=4 m=46
